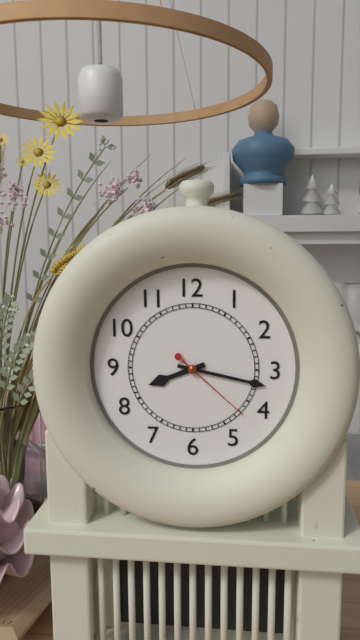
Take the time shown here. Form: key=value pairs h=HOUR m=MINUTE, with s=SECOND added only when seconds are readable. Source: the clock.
h=8 m=17 s=22
